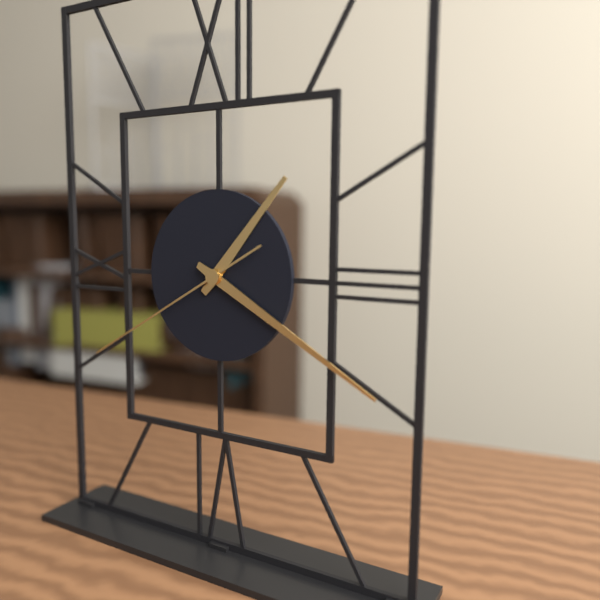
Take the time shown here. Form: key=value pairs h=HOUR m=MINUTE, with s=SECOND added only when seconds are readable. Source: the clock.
h=1 m=20 s=40
